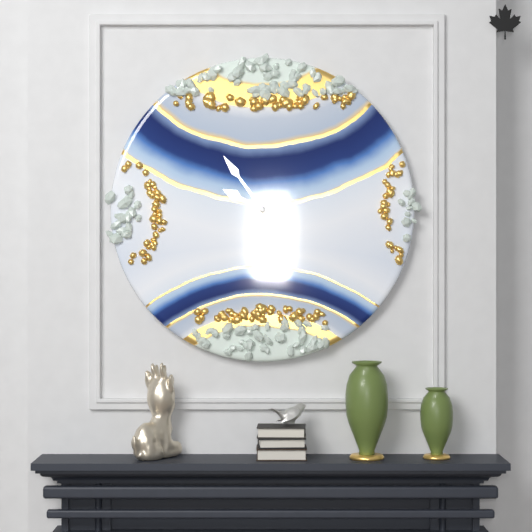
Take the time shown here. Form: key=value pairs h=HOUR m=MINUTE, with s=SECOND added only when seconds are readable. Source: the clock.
h=9 m=54
